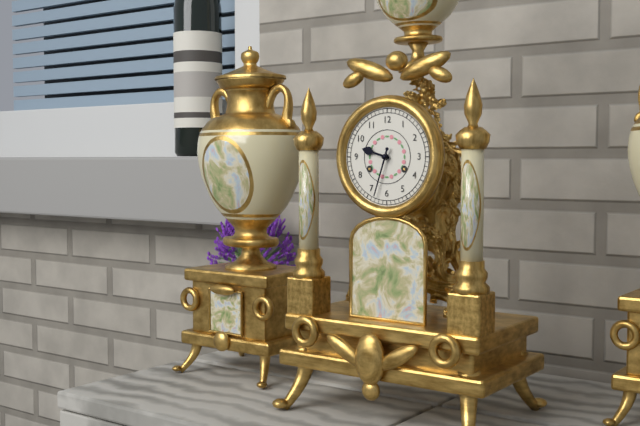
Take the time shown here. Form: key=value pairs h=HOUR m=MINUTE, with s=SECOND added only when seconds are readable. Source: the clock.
h=9 m=33
